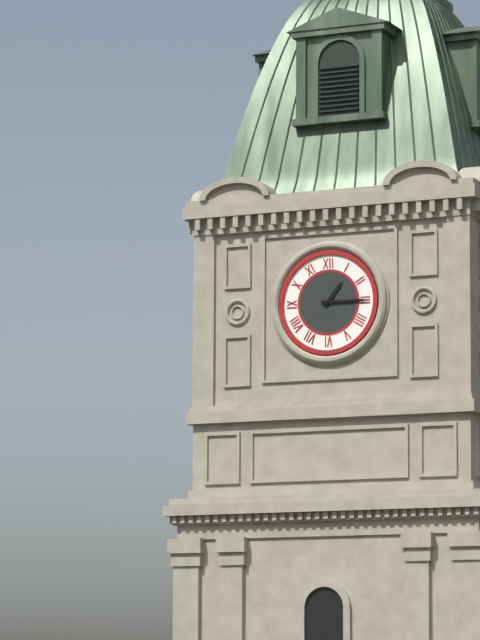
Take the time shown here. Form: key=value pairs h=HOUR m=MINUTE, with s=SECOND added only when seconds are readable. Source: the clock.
h=1 m=15
